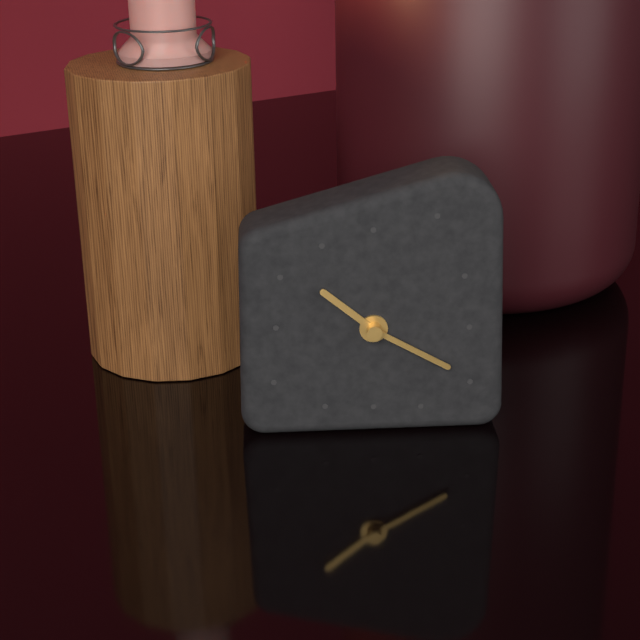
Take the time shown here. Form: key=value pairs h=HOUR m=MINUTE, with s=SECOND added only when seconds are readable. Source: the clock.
h=10 m=20
